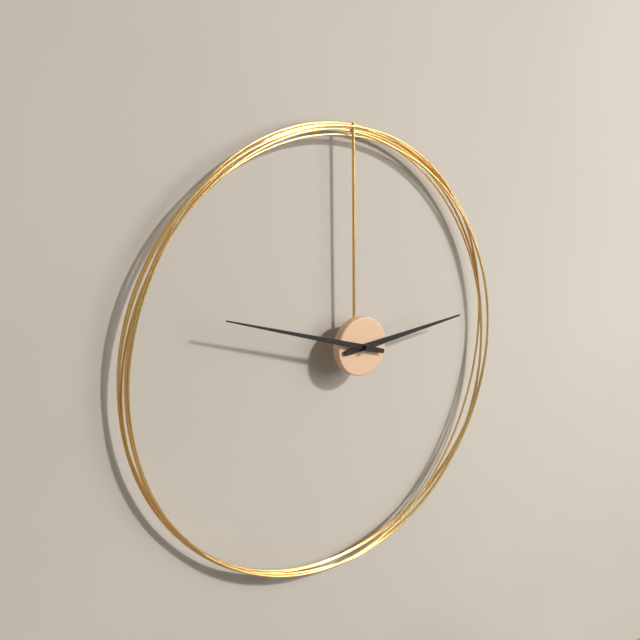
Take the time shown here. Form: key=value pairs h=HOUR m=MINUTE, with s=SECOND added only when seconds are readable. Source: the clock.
h=2 m=48
